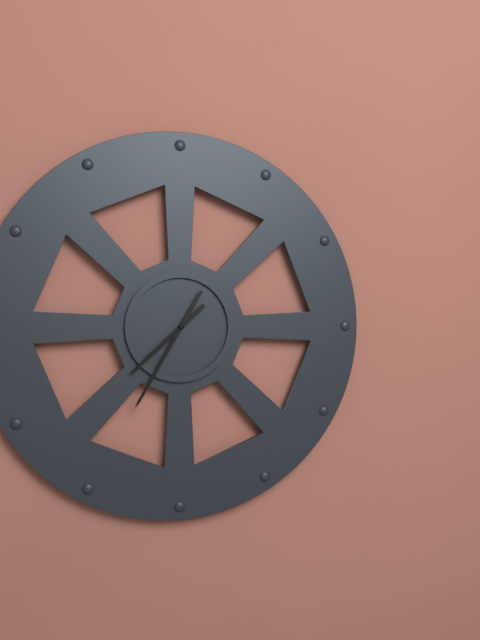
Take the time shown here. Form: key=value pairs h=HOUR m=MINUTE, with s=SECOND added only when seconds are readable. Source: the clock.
h=7 m=35
